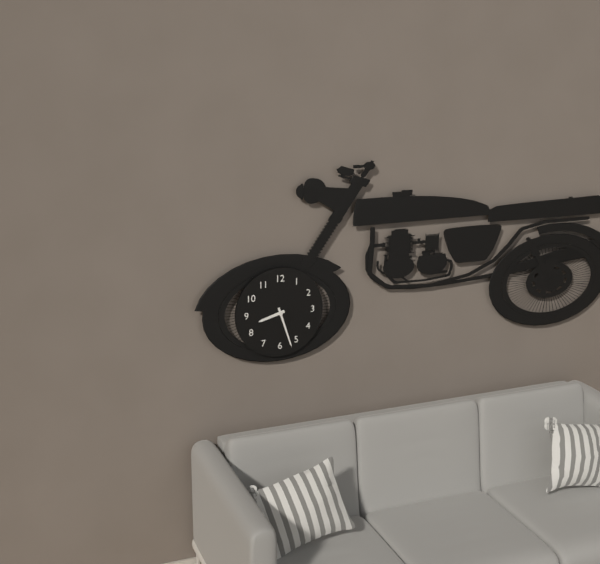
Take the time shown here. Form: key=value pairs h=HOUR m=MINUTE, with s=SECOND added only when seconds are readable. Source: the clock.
h=8 m=27
